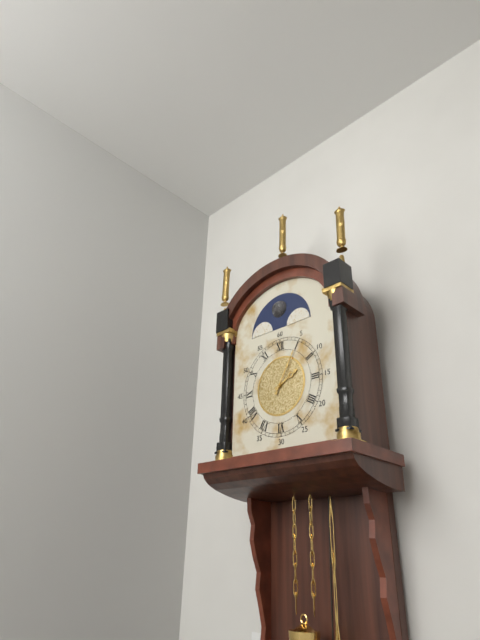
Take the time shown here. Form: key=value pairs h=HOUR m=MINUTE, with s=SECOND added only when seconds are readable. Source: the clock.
h=2 m=5
